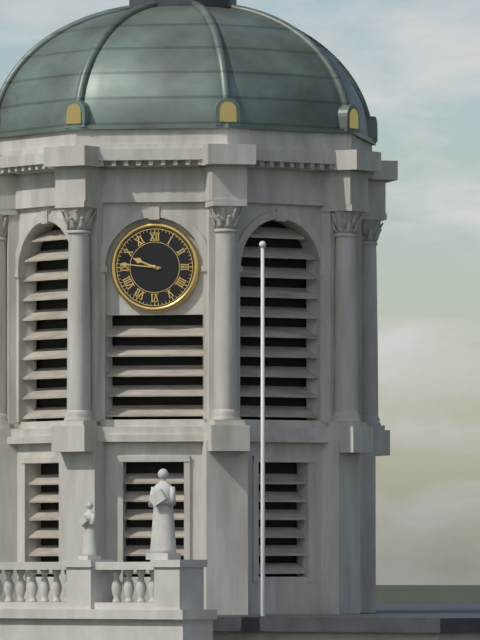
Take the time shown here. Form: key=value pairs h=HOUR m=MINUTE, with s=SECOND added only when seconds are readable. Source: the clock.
h=9 m=46
